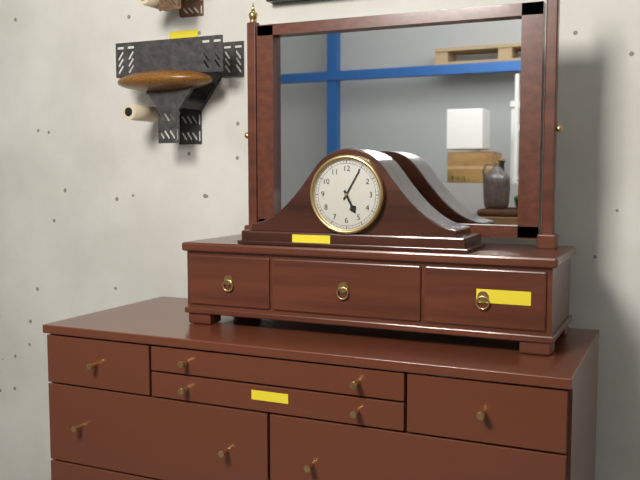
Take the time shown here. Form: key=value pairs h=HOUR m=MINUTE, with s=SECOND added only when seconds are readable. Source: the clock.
h=5 m=5
